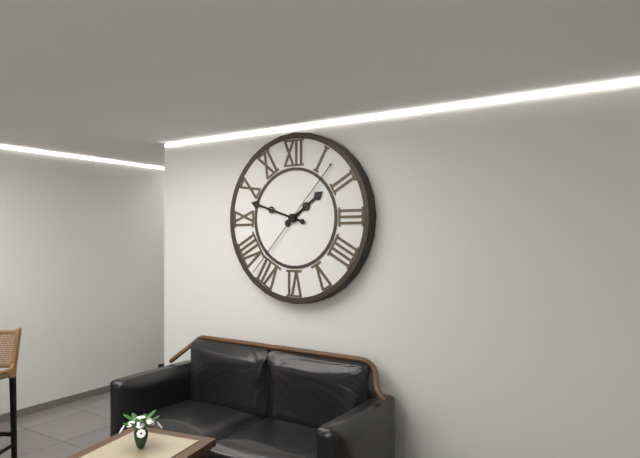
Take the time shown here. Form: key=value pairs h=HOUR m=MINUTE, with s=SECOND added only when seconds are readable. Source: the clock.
h=1 m=48 s=37
